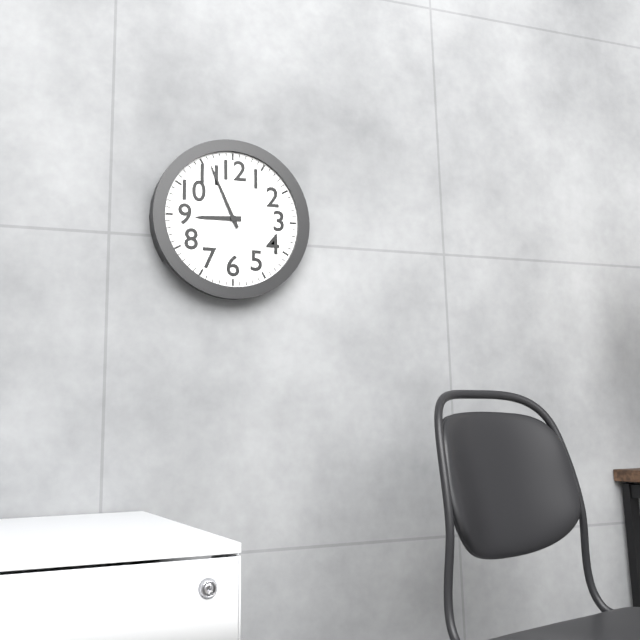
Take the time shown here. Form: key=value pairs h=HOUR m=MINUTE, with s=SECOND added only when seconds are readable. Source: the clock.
h=8 m=56
